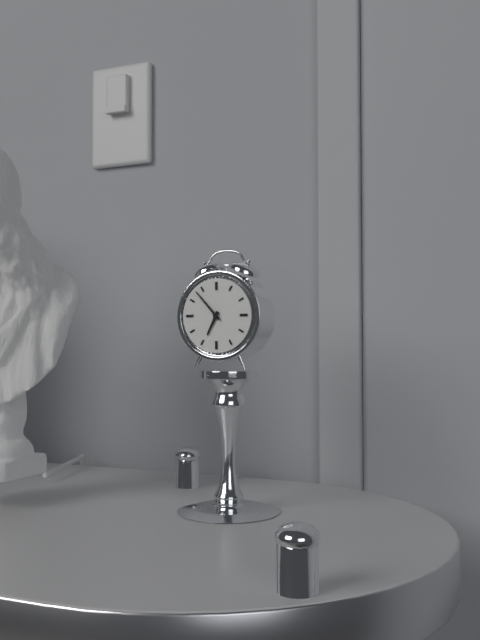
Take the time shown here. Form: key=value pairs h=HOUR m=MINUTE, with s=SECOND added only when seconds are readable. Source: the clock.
h=6 m=53
